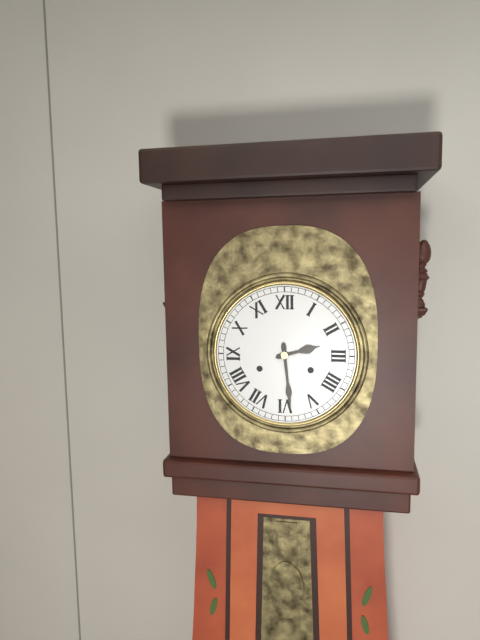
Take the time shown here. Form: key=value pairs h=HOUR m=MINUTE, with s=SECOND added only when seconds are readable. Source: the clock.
h=2 m=29
